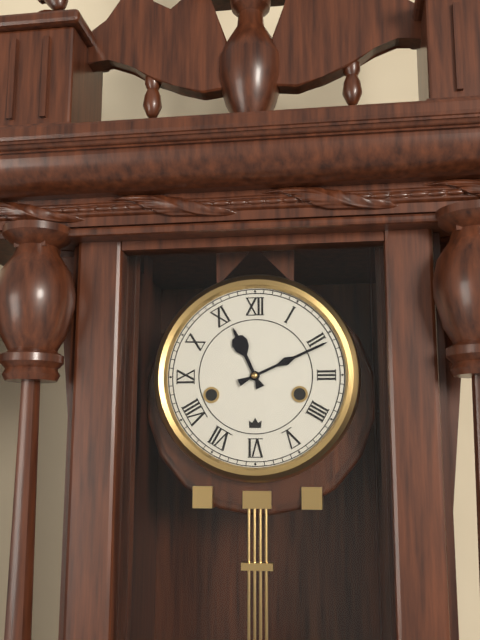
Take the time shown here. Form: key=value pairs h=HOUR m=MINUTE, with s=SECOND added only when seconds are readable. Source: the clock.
h=11 m=11
